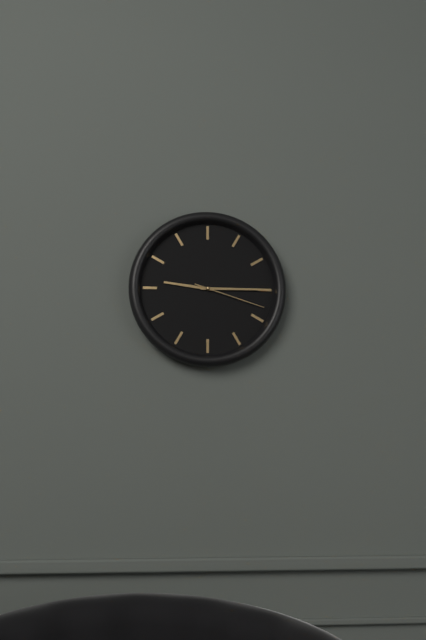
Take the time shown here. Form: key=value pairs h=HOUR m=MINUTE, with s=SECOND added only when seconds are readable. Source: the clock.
h=9 m=15 s=18
